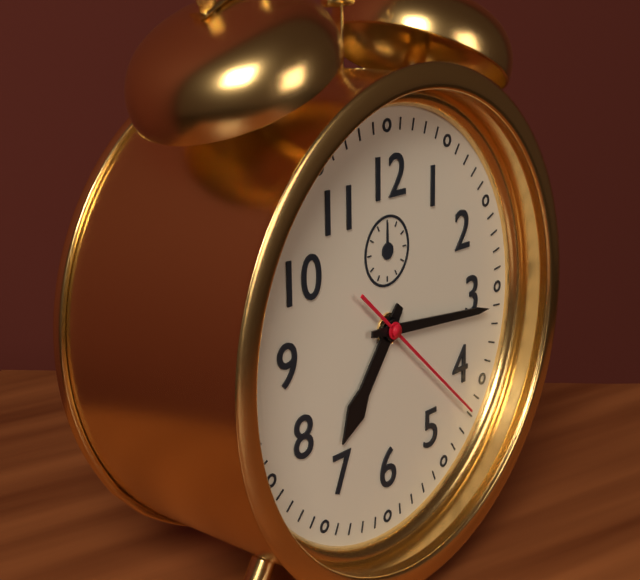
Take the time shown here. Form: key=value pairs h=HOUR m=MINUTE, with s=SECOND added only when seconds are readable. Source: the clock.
h=7 m=16 s=22
